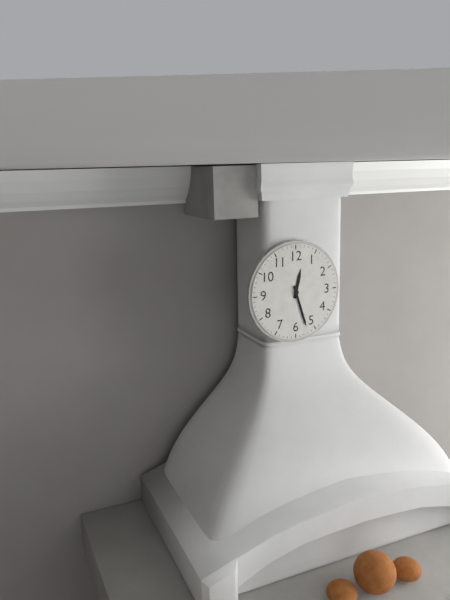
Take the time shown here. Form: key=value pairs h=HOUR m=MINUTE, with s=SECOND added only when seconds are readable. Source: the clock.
h=12 m=27
